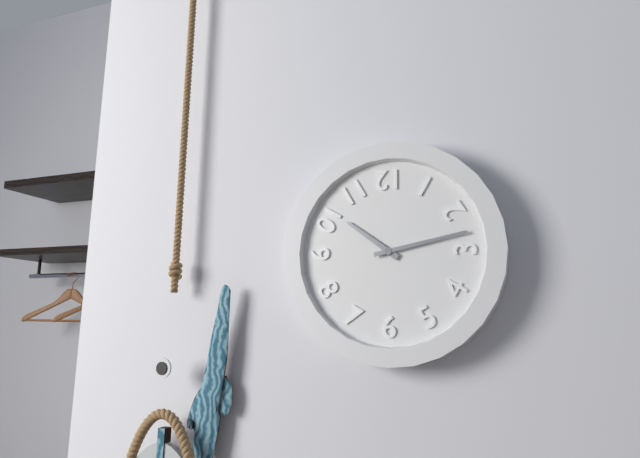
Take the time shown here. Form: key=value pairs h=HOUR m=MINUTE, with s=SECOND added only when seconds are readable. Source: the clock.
h=10 m=13
